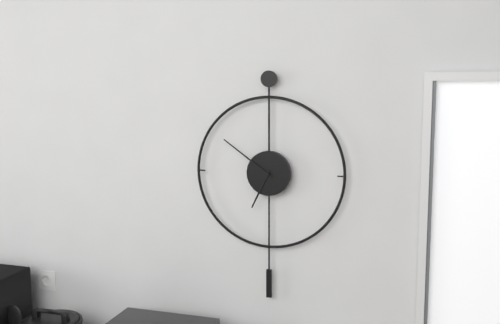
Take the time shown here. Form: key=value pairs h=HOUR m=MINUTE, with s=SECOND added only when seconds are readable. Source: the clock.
h=6 m=51
